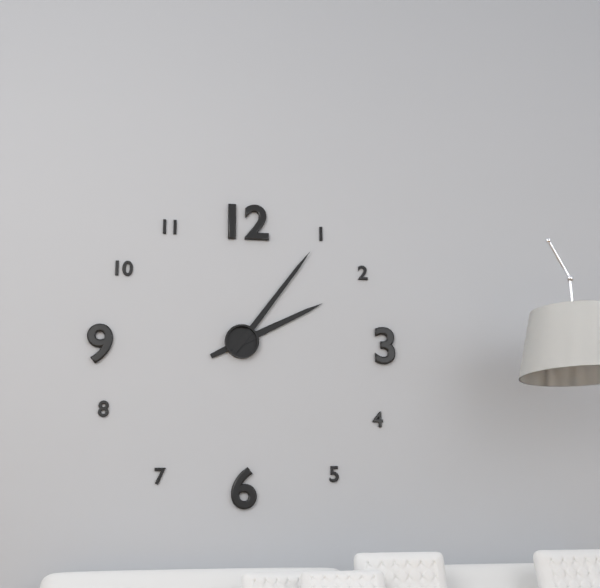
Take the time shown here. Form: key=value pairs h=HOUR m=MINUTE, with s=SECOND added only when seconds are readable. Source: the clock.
h=2 m=6
